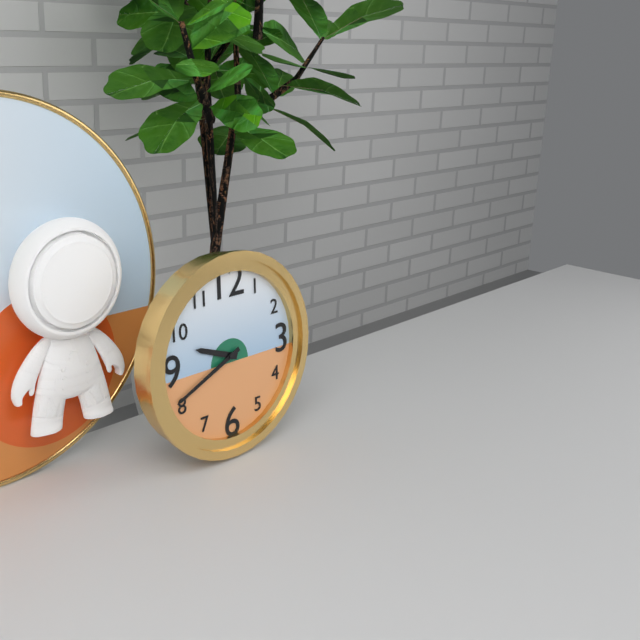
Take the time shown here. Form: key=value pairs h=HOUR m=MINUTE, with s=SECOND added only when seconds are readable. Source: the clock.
h=9 m=41
